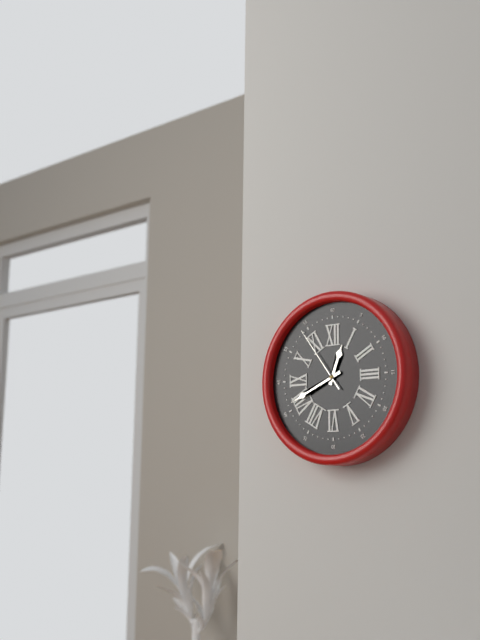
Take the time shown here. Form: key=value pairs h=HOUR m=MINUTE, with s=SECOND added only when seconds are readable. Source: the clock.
h=12 m=41 s=54
